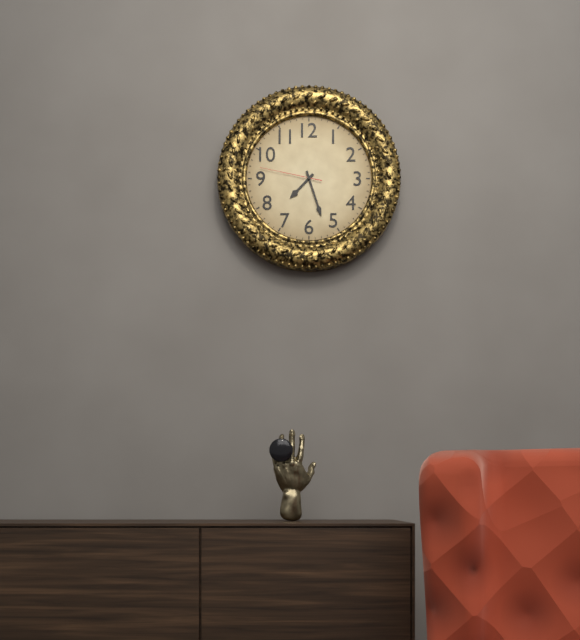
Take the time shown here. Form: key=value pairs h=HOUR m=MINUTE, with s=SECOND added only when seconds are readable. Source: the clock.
h=7 m=27 s=47
